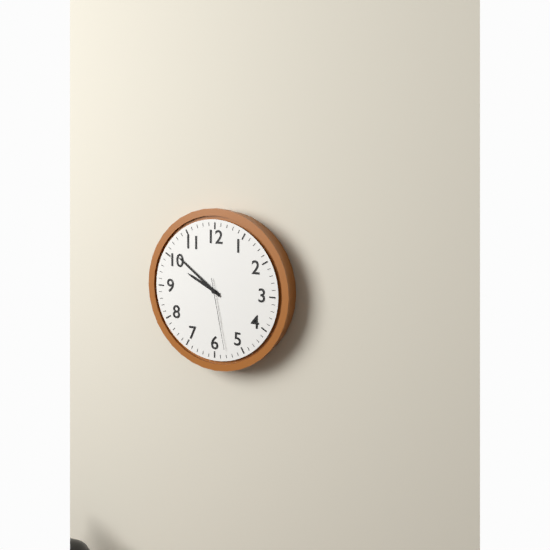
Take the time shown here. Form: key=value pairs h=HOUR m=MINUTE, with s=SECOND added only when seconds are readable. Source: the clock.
h=9 m=51 s=28
